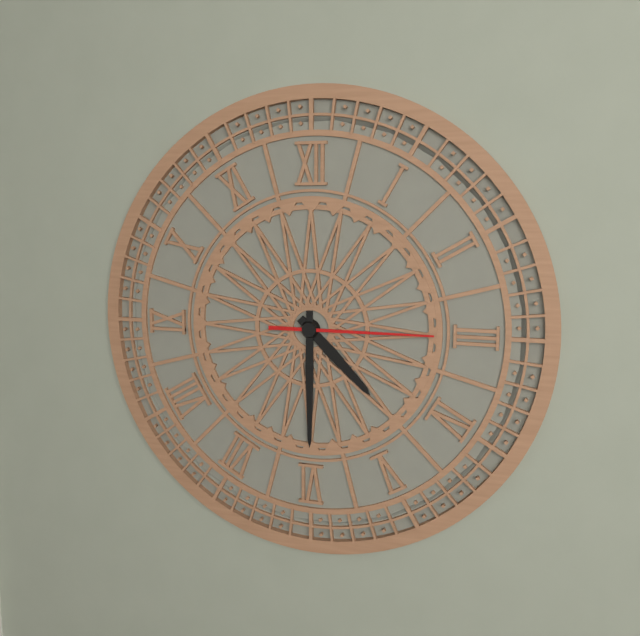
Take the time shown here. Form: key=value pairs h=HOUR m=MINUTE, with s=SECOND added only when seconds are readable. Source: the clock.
h=4 m=30 s=15
